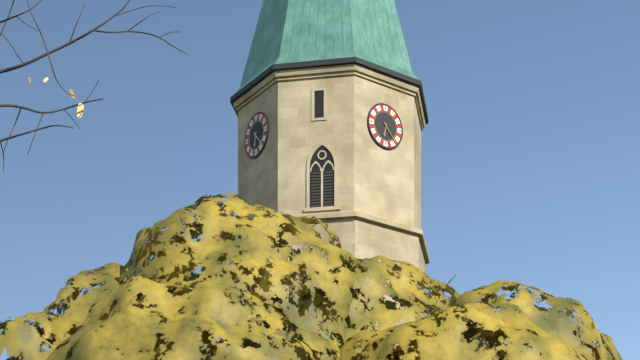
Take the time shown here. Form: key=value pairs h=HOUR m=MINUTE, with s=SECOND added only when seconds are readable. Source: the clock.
h=6 m=23
